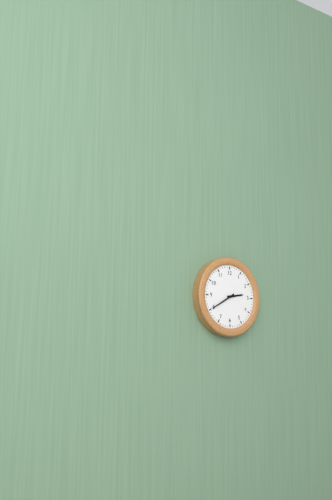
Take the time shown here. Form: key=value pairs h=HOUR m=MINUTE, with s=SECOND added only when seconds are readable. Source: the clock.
h=2 m=40
